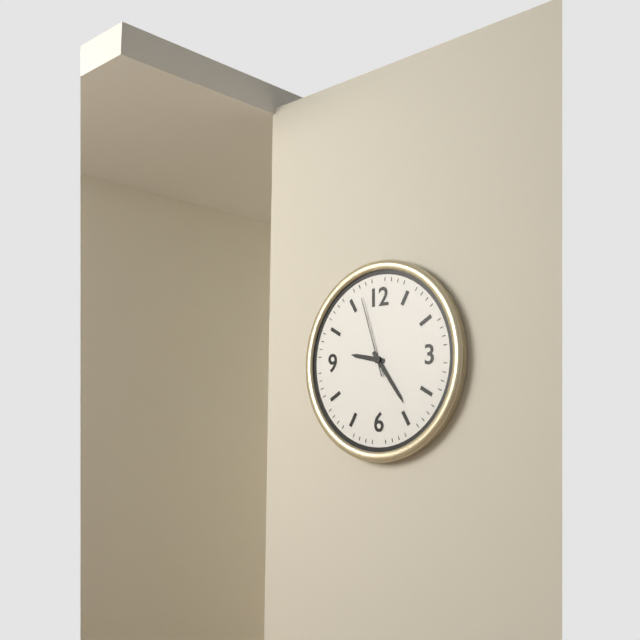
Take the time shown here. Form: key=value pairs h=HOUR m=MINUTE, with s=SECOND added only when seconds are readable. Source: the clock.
h=9 m=24 s=57
